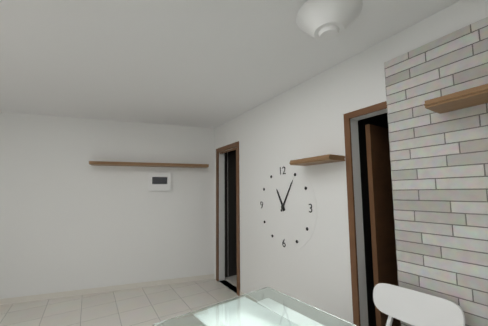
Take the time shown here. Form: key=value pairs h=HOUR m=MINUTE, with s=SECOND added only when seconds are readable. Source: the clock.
h=11 m=5
